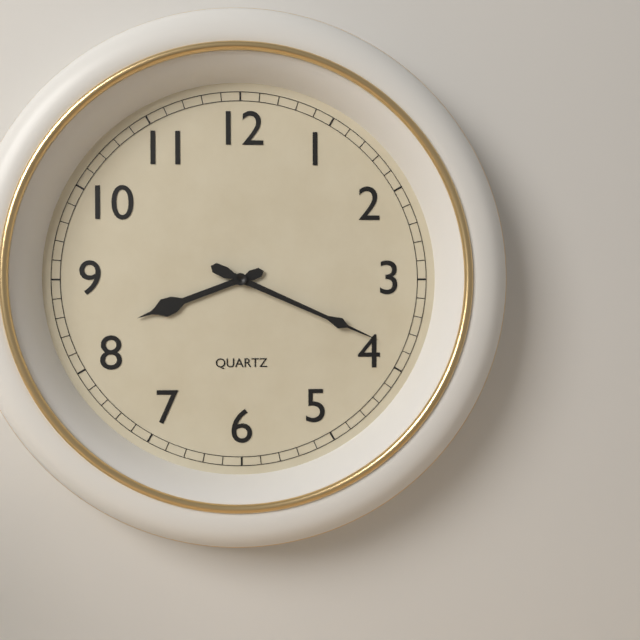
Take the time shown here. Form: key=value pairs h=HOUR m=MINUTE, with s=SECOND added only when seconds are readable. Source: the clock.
h=8 m=19
